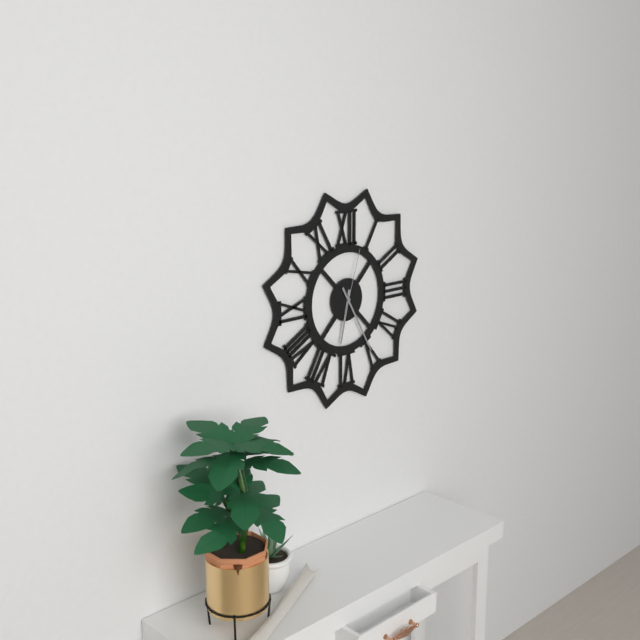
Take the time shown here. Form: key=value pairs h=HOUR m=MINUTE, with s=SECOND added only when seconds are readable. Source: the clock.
h=6 m=25 s=3
